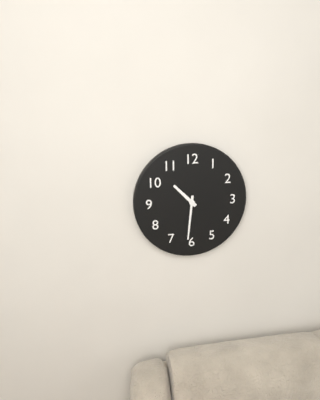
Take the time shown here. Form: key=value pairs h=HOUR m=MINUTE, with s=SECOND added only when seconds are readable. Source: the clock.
h=10 m=31
